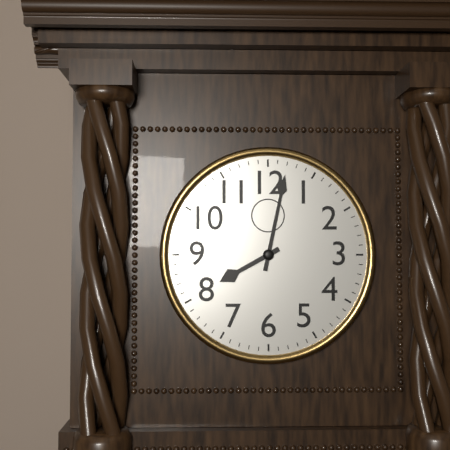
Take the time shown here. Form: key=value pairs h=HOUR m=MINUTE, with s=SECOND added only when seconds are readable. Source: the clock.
h=8 m=2
